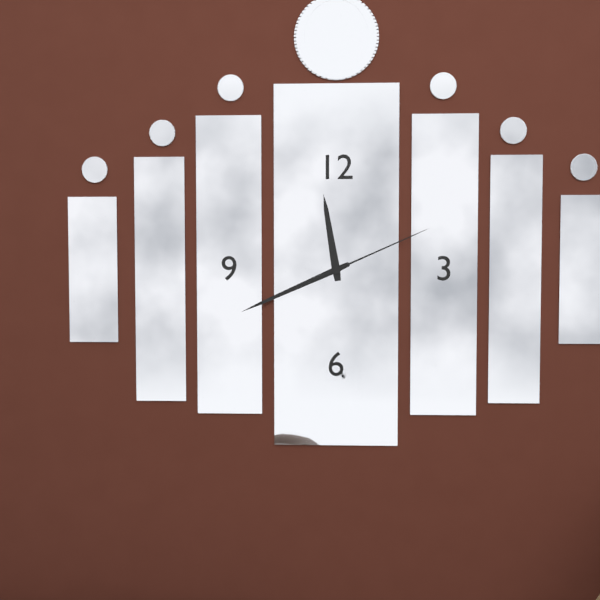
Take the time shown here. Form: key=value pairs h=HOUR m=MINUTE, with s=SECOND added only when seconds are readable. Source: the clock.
h=11 m=41 s=11
